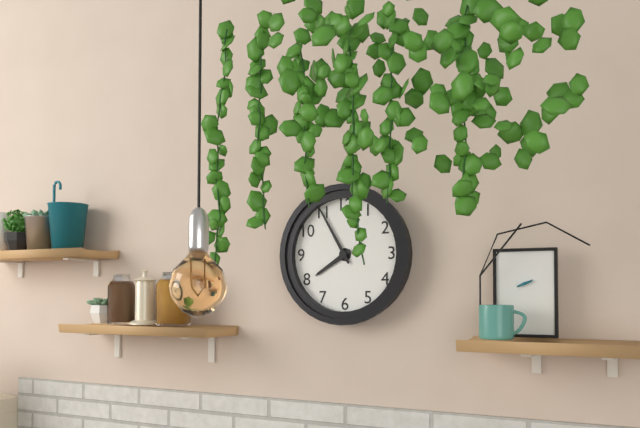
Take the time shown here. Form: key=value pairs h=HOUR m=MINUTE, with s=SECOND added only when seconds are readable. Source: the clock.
h=7 m=55
